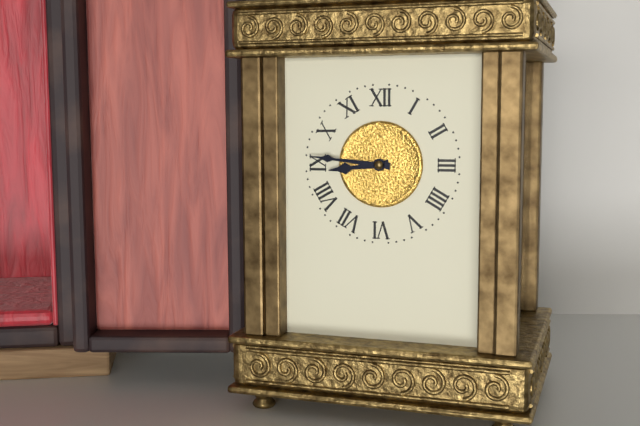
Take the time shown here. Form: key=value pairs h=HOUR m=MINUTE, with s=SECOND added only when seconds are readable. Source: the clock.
h=8 m=46
